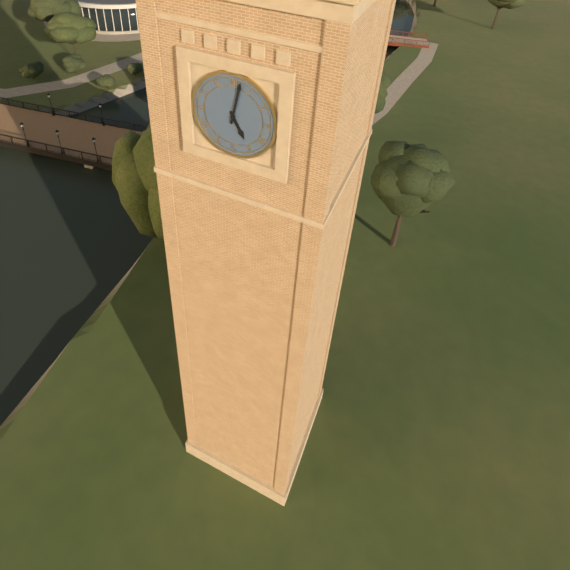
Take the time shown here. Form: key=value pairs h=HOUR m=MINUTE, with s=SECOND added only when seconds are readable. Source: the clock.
h=5 m=2
